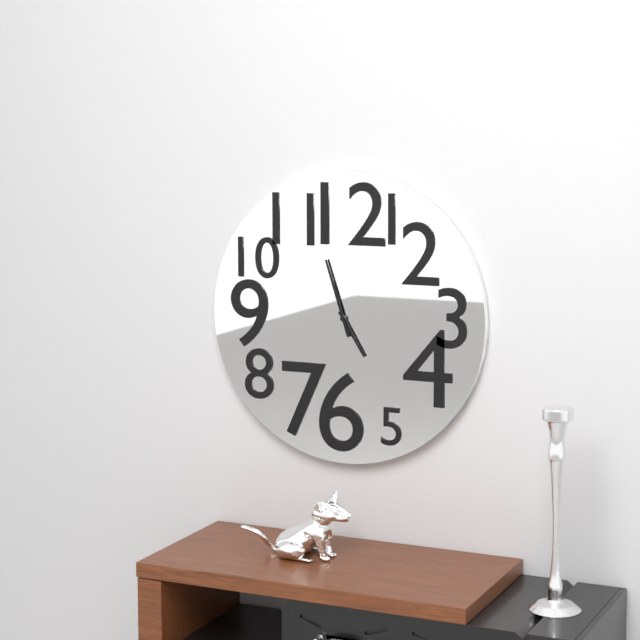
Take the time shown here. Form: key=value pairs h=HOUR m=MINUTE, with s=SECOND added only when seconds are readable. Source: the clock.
h=4 m=57
